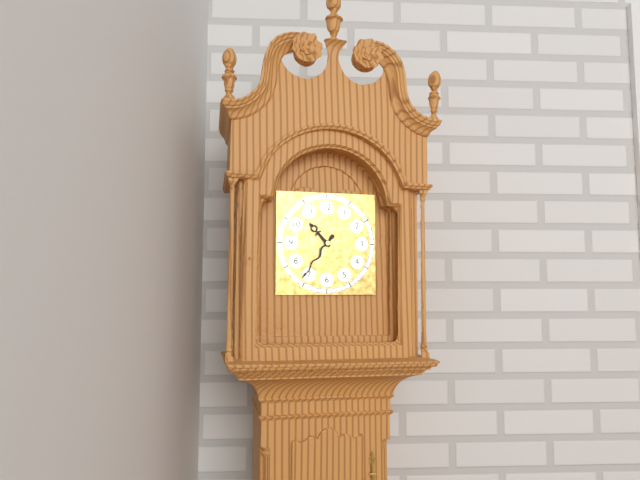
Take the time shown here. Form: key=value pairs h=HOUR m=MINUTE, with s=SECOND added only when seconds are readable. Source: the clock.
h=10 m=36
